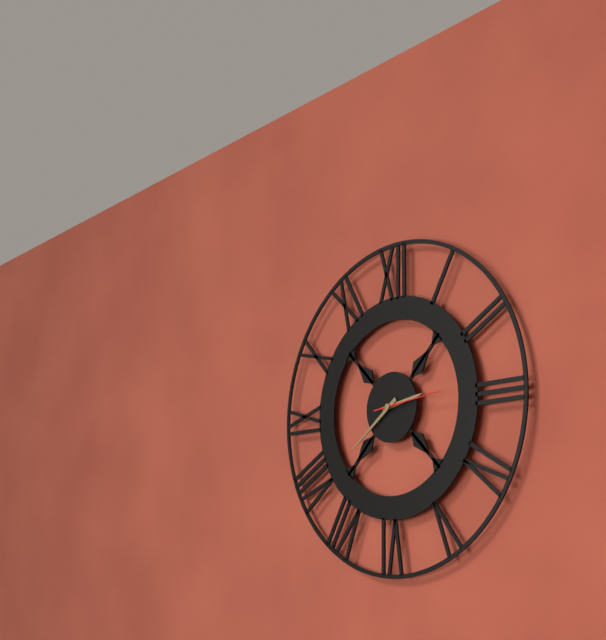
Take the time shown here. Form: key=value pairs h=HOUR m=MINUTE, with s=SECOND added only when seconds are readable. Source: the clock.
h=2 m=39 s=14
